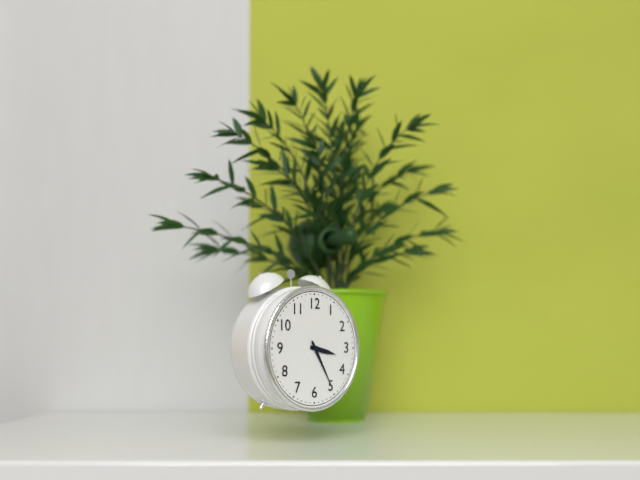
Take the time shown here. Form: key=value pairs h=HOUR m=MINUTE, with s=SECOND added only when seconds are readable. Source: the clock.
h=3 m=25
